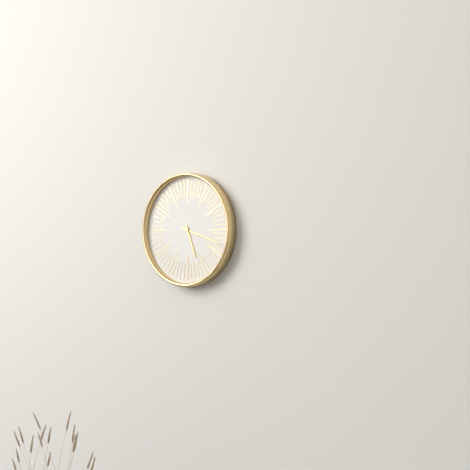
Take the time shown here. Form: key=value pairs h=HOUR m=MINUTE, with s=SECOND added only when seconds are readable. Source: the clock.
h=5 m=18
